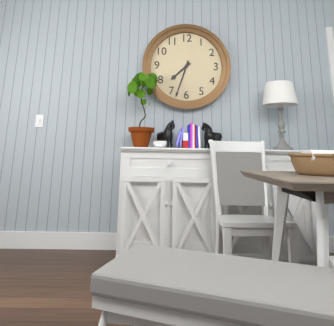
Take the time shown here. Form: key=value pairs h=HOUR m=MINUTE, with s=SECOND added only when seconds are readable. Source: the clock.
h=7 m=33
